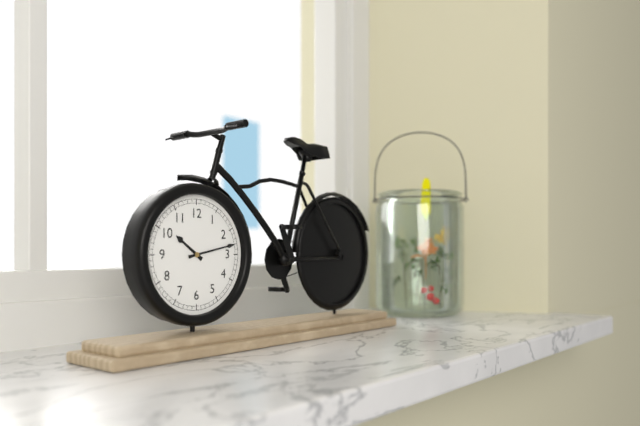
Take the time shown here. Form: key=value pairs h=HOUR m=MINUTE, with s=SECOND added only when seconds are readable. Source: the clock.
h=10 m=13
